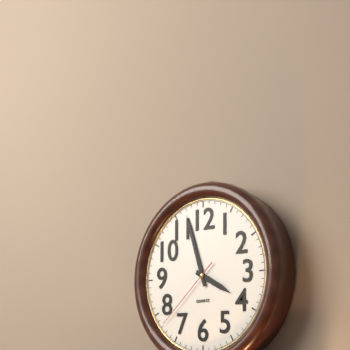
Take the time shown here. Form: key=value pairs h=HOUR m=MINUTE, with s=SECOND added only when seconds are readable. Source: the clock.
h=3 m=57 s=38
